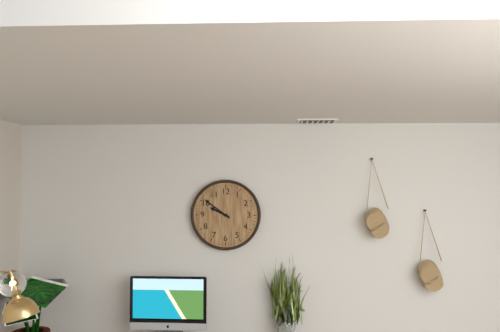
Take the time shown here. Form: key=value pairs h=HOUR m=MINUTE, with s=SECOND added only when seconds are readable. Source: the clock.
h=9 m=51
